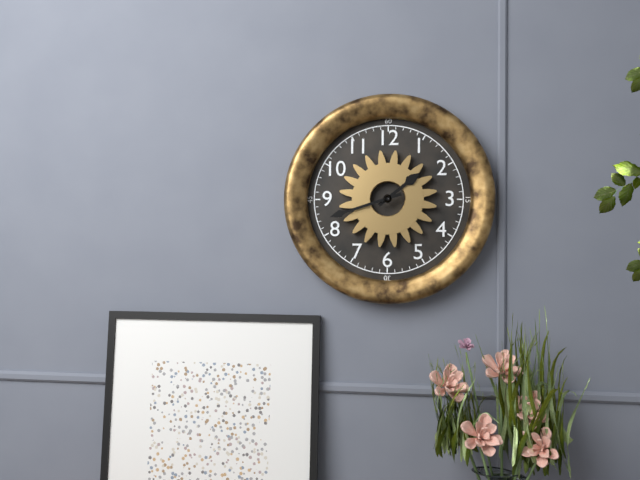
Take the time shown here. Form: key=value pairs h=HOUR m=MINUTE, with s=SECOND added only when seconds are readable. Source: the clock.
h=1 m=42
